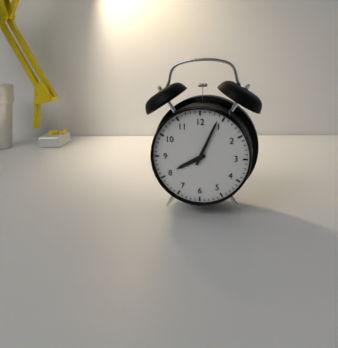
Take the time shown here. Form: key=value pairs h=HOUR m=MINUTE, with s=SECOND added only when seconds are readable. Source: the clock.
h=8 m=4
